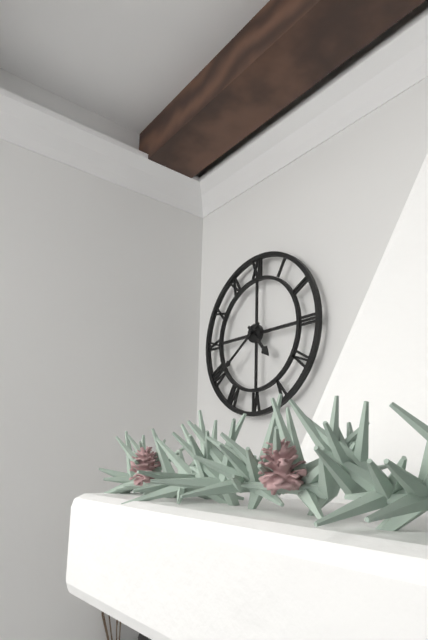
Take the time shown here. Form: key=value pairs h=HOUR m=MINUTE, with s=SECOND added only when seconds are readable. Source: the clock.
h=4 m=39
